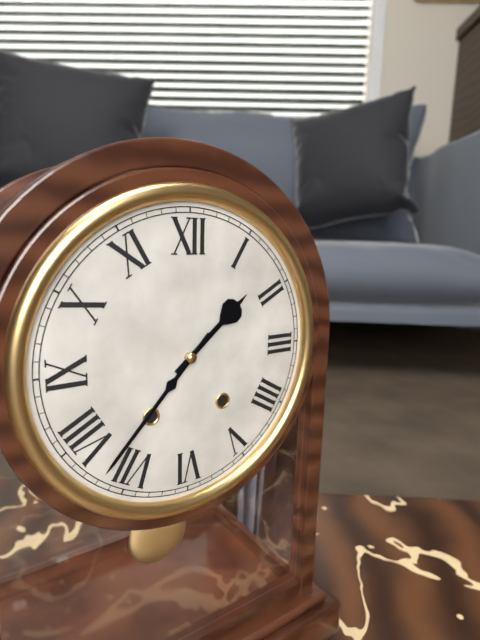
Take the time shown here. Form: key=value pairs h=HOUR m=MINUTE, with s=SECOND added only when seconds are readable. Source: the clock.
h=1 m=37
